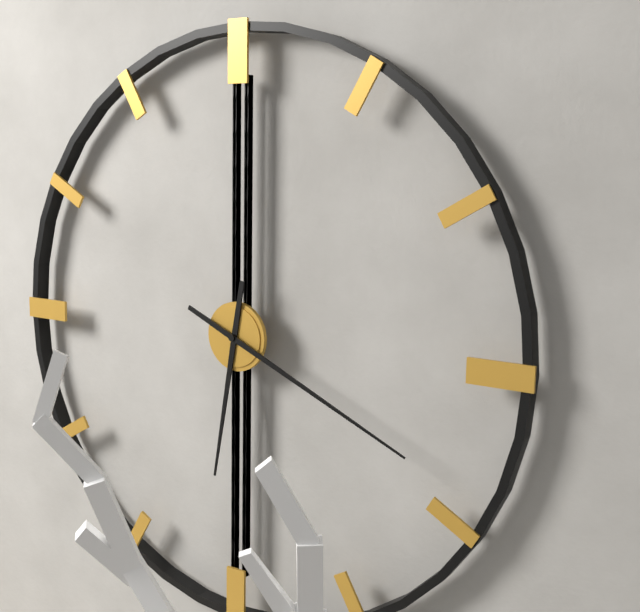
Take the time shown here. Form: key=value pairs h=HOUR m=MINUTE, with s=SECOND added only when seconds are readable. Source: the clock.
h=6 m=19
